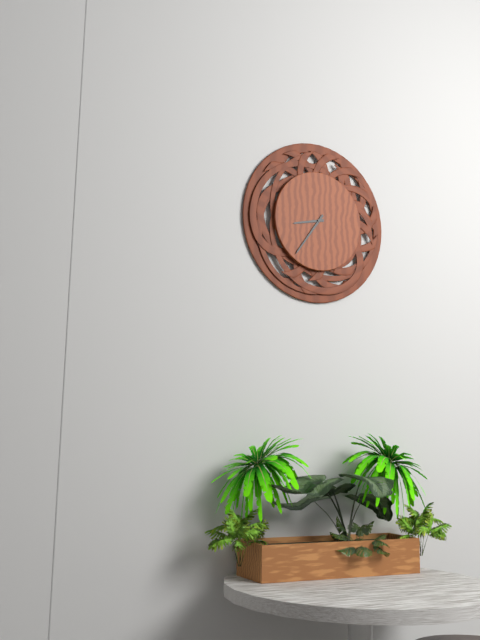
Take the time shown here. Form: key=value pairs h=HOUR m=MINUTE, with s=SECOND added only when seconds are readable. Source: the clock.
h=8 m=36
